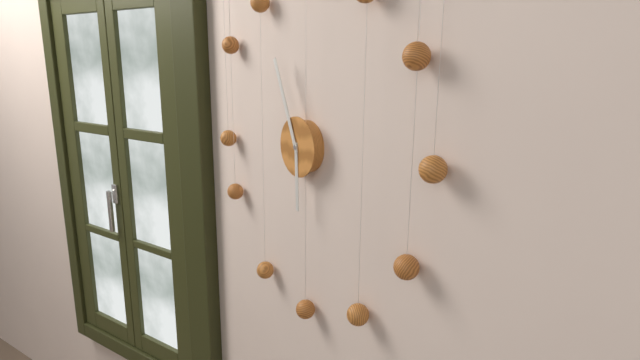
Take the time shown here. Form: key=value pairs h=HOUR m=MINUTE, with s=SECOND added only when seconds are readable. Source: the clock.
h=5 m=56
